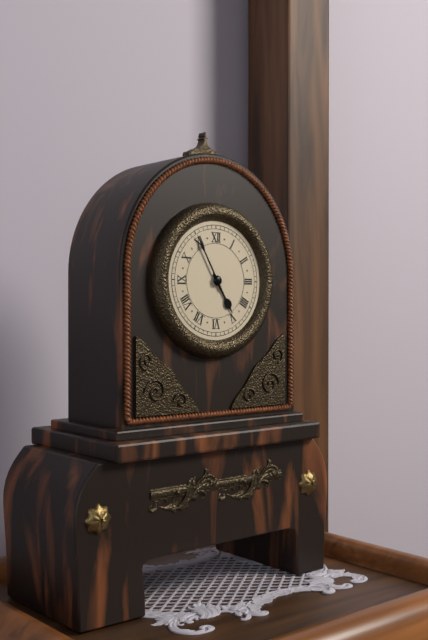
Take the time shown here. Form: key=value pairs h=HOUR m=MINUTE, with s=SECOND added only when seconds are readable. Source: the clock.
h=4 m=55
